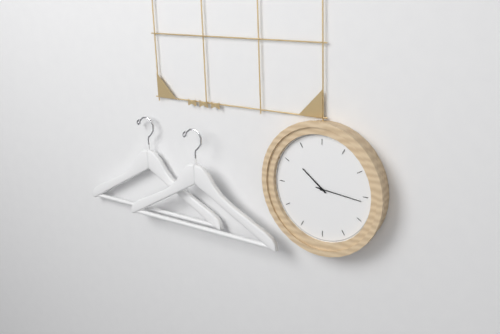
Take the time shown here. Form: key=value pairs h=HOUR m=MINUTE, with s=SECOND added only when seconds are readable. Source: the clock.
h=10 m=16
